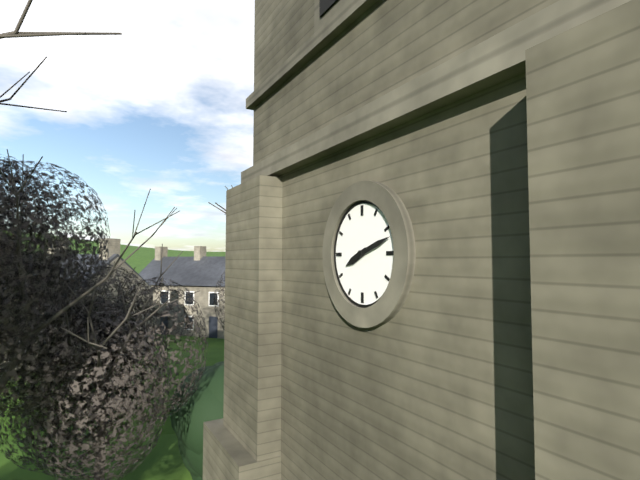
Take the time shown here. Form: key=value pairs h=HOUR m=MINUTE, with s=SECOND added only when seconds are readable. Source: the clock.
h=8 m=12
